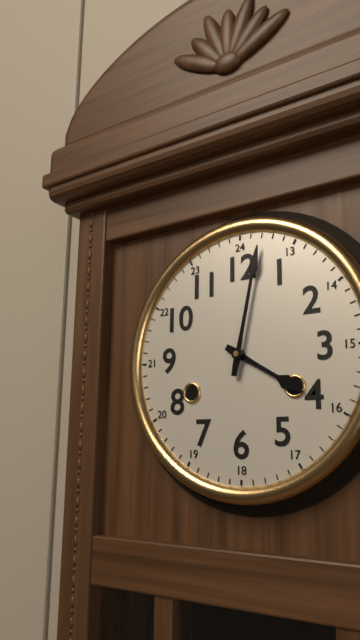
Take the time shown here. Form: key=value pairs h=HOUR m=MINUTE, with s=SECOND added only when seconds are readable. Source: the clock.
h=4 m=2
